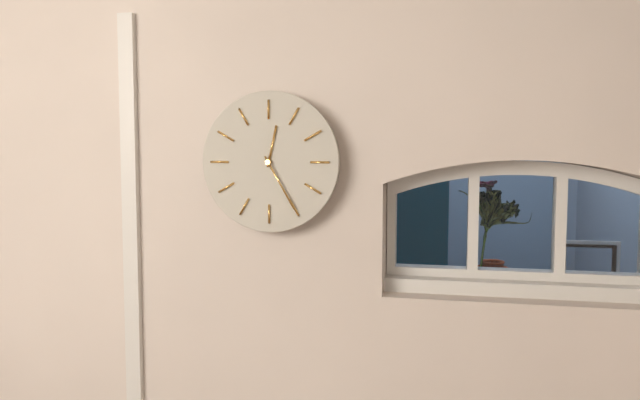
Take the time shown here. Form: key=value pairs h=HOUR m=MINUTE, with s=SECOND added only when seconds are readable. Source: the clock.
h=12 m=25
